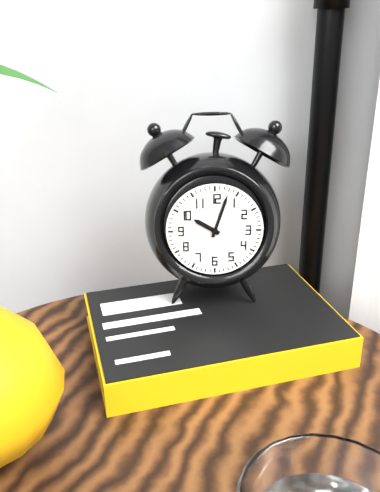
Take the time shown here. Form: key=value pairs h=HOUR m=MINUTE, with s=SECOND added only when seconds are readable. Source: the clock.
h=10 m=3
